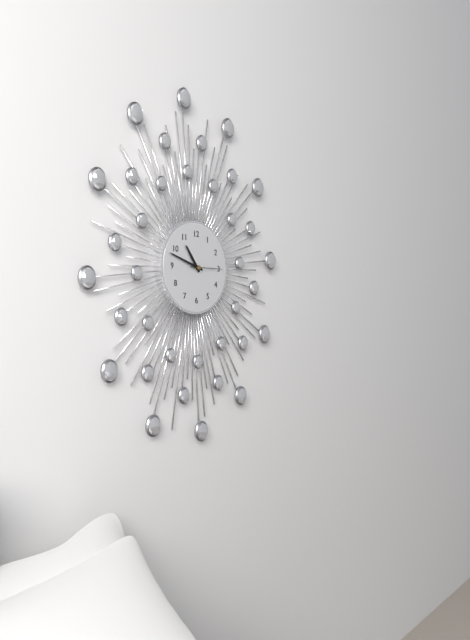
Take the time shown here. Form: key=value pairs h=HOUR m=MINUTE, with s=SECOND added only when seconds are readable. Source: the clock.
h=10 m=48
